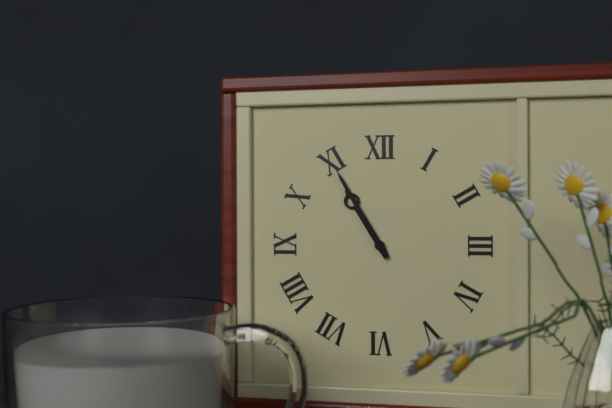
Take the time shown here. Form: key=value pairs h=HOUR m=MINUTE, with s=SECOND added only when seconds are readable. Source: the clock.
h=10 m=55
